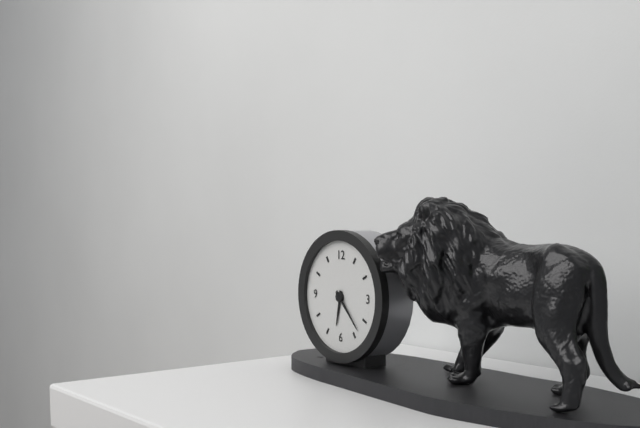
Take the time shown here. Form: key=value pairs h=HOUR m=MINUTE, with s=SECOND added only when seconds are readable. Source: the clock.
h=6 m=23
